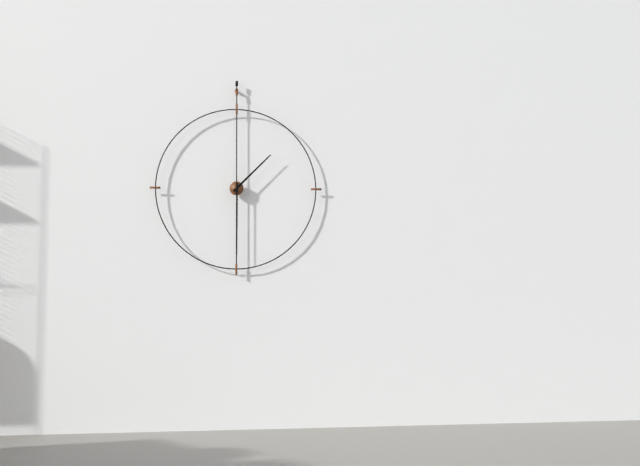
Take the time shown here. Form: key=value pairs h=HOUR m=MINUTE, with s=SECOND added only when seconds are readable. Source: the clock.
h=1 m=30
